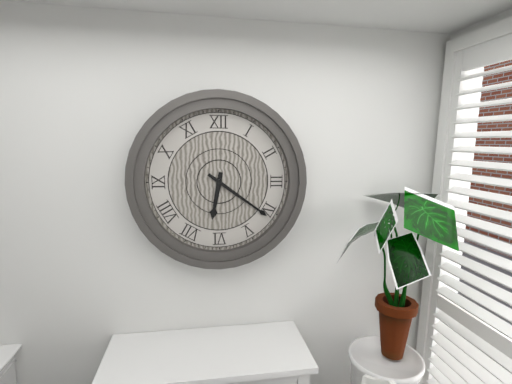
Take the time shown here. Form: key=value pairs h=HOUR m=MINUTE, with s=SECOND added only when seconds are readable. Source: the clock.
h=6 m=21
